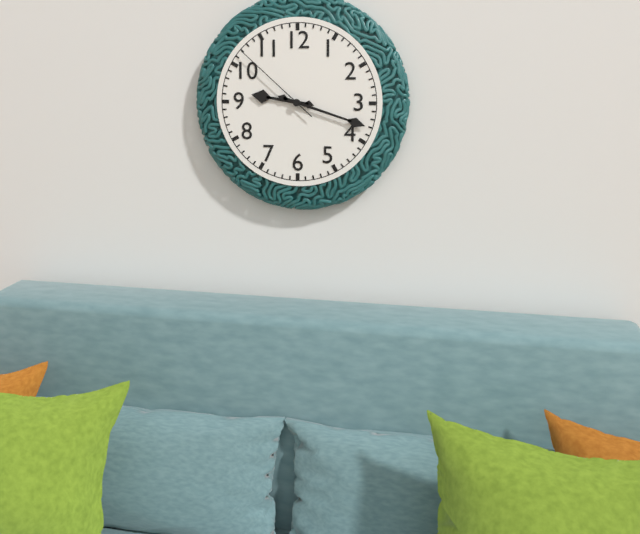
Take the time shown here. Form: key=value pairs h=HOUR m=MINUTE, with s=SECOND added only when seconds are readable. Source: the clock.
h=9 m=18 s=52
